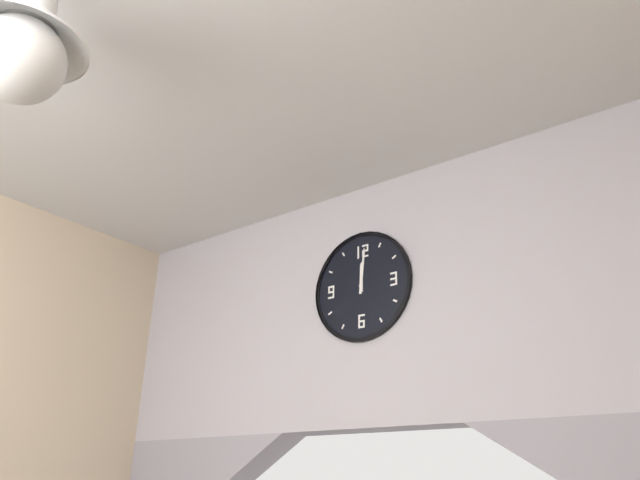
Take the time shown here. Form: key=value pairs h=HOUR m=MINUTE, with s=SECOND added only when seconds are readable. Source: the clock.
h=12 m=1
